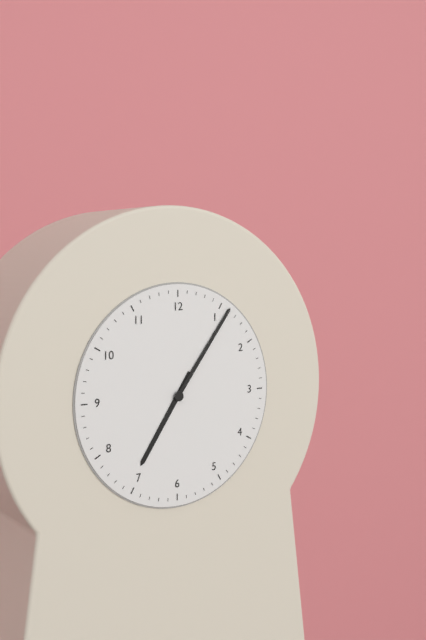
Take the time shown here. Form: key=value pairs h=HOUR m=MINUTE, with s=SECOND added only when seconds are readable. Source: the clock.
h=7 m=6
